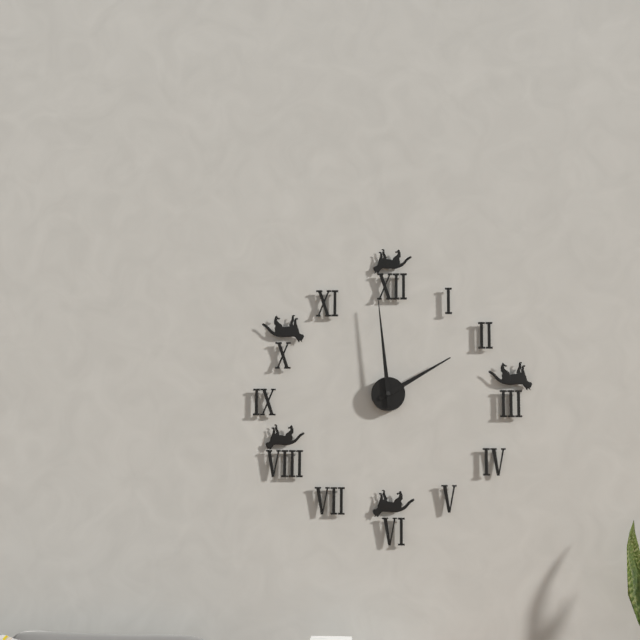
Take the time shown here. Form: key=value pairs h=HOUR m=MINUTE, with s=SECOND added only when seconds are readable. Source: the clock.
h=1 m=59
